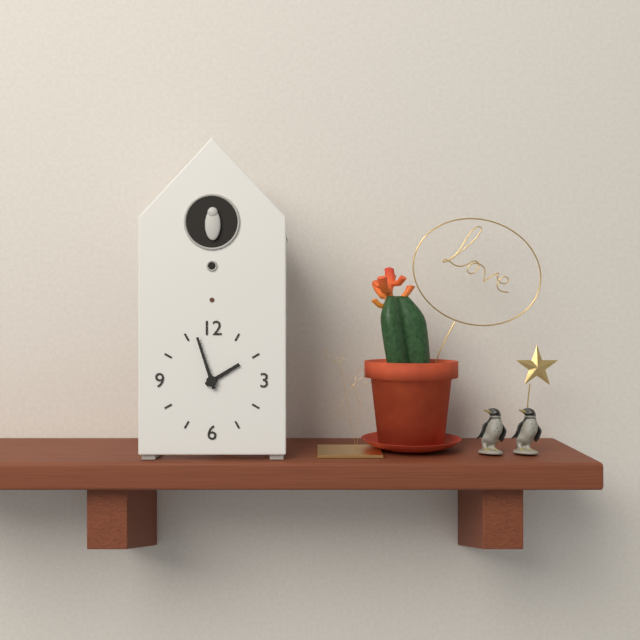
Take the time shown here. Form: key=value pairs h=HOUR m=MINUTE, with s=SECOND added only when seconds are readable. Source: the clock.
h=1 m=57
